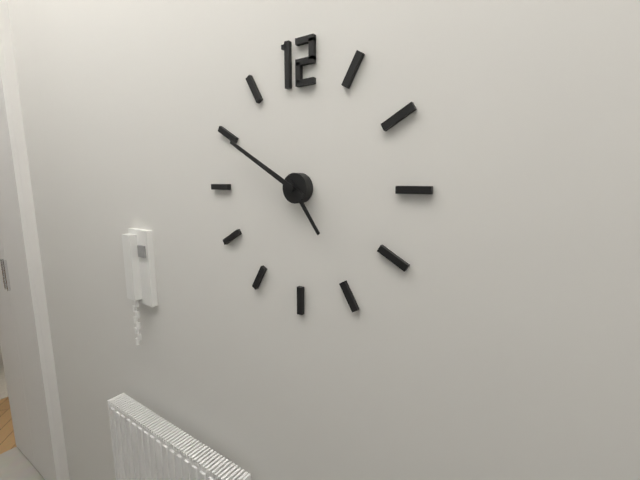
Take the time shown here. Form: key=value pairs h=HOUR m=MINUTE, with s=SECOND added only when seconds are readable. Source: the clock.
h=4 m=50
